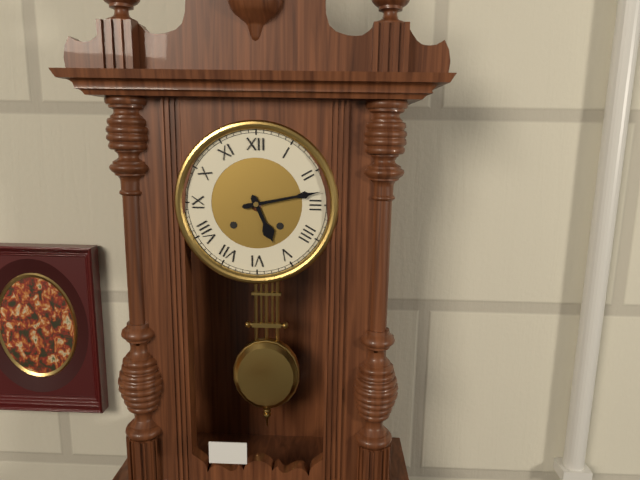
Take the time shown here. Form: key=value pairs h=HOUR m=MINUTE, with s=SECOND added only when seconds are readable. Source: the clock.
h=5 m=13
